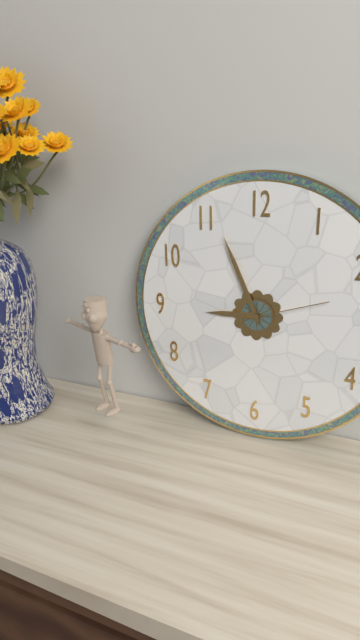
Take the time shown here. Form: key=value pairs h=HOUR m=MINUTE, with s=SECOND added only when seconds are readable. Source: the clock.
h=8 m=56 s=12
